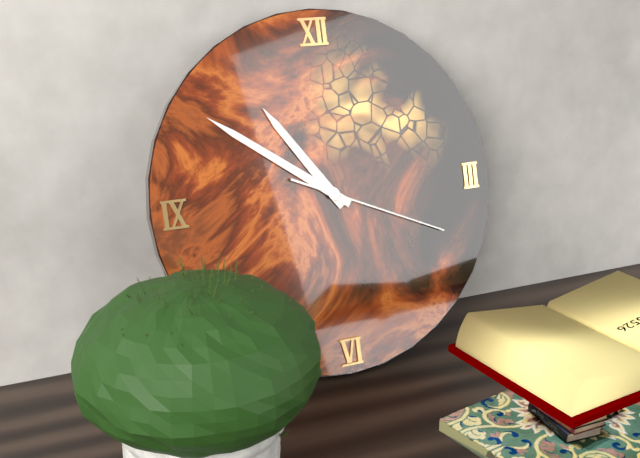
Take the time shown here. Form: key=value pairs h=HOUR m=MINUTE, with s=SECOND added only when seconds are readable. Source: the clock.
h=10 m=51 s=19
